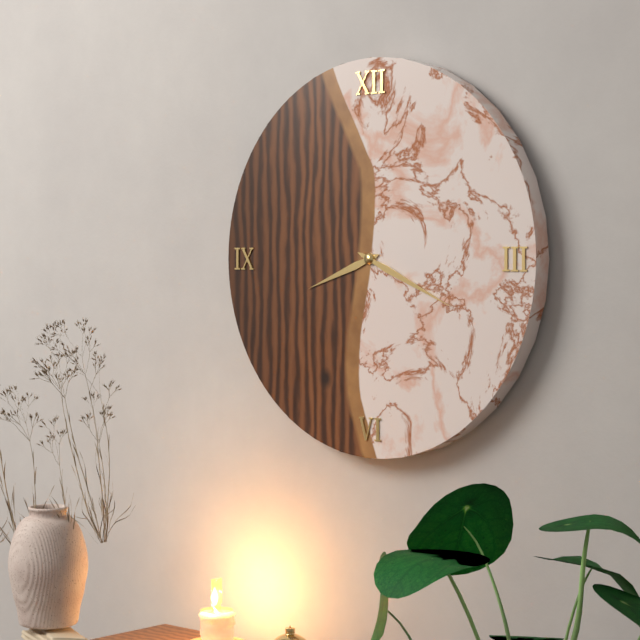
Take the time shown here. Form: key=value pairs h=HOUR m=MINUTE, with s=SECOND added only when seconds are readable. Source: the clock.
h=8 m=19
